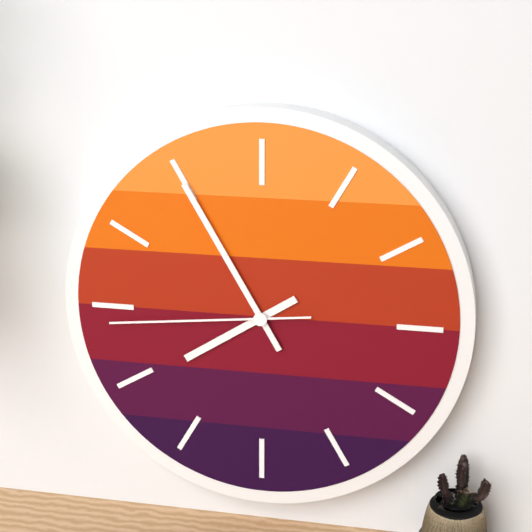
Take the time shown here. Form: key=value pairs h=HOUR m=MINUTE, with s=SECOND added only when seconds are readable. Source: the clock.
h=7 m=55 s=44
